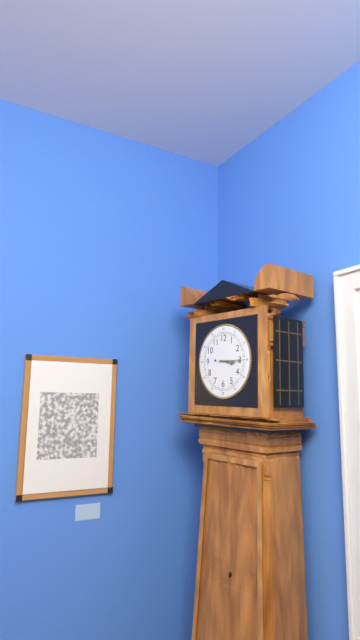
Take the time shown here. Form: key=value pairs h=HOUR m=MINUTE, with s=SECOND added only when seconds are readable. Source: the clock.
h=3 m=15
